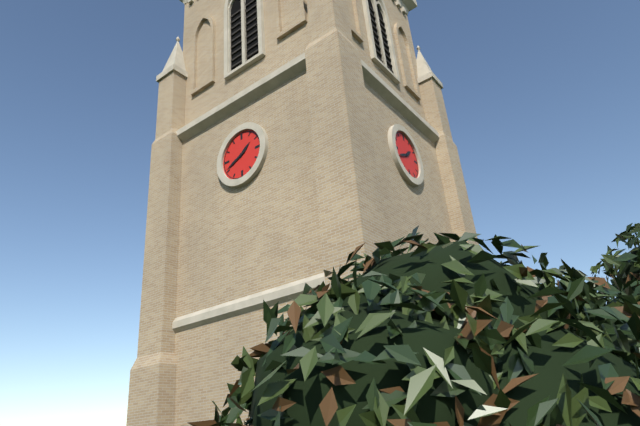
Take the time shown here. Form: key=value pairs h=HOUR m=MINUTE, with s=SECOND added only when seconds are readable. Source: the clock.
h=1 m=41
